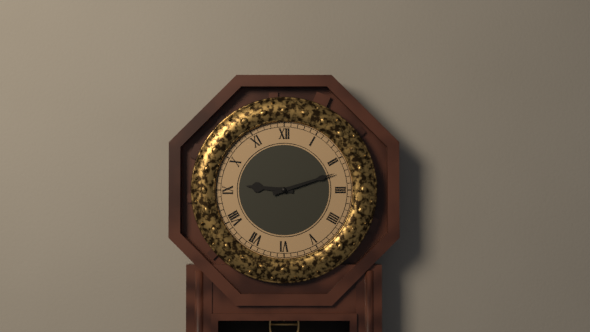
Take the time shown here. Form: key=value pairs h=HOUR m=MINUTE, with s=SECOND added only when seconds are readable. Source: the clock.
h=9 m=12
